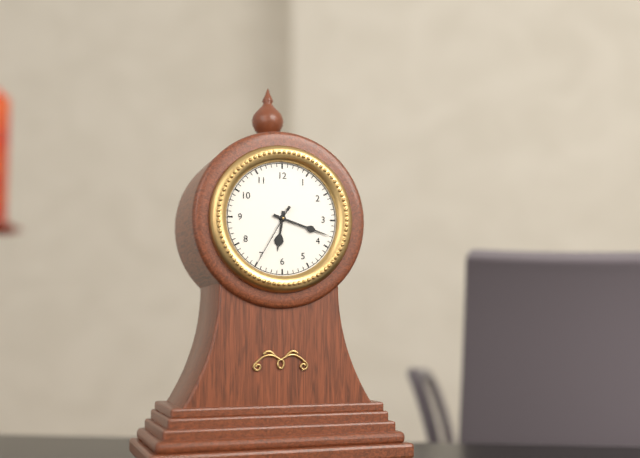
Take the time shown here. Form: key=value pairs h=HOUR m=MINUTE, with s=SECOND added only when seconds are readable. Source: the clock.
h=6 m=18 s=35
